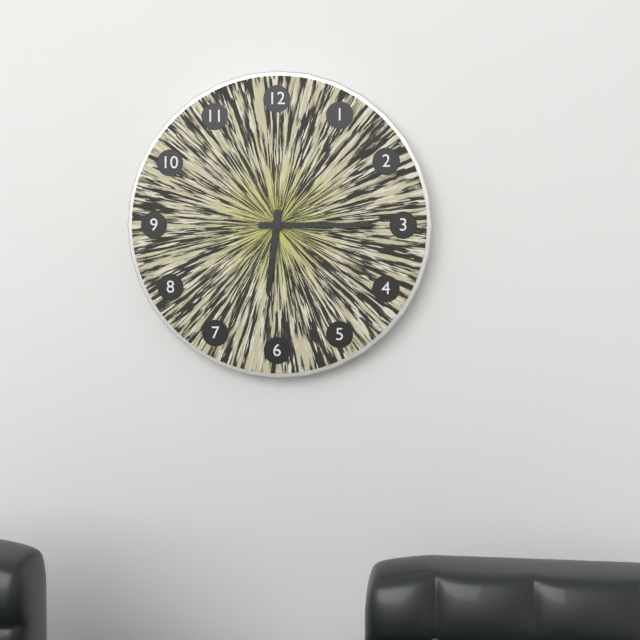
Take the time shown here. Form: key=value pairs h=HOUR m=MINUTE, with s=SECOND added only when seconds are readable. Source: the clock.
h=6 m=15
